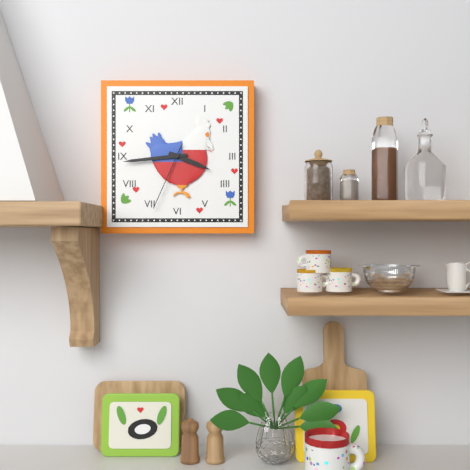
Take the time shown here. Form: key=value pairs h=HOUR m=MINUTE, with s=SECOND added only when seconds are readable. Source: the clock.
h=3 m=44 s=34
